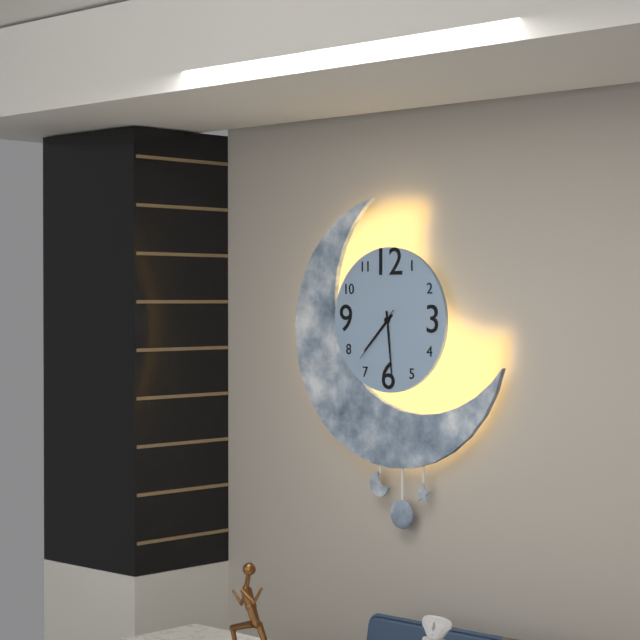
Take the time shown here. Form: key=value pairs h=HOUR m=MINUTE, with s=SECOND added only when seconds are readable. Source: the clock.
h=7 m=29 s=37
